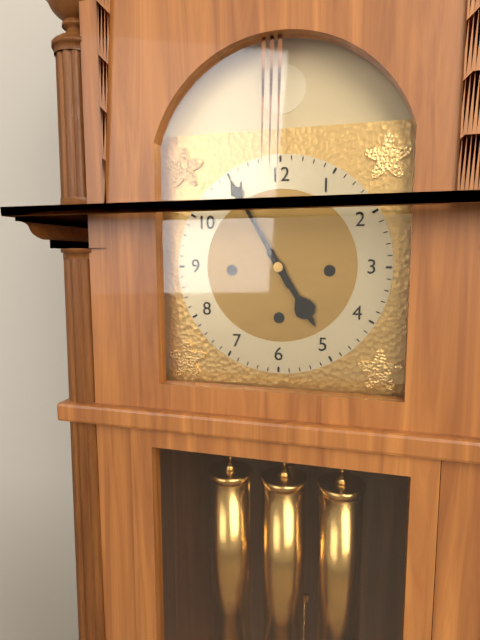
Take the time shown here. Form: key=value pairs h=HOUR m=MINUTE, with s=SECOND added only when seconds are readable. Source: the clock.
h=4 m=55
